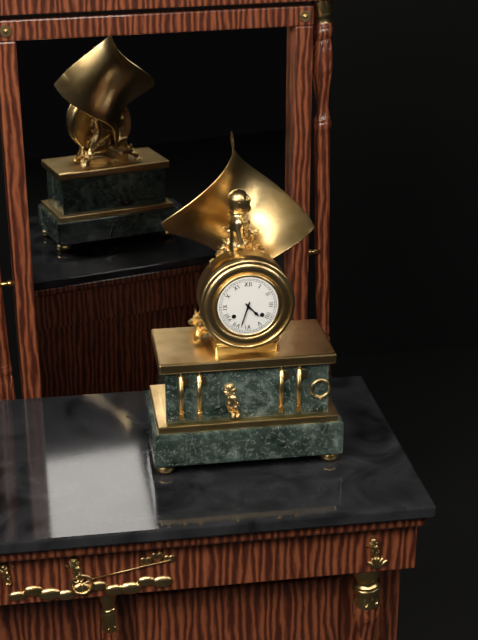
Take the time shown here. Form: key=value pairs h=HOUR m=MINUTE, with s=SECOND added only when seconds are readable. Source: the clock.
h=4 m=33
